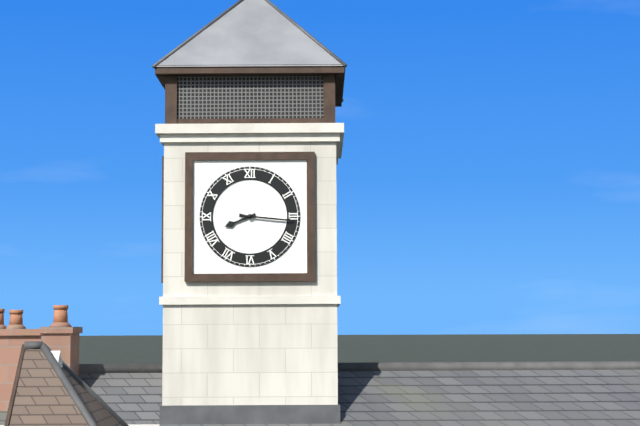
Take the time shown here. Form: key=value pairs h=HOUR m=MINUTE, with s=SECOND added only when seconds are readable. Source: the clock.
h=8 m=16
